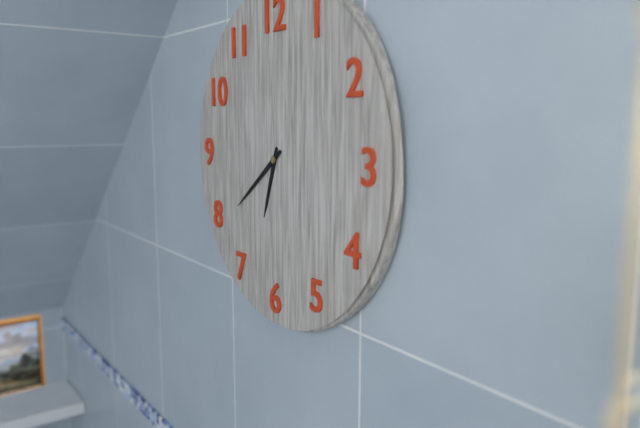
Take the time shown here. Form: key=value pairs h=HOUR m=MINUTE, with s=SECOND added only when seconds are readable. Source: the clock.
h=6 m=39
